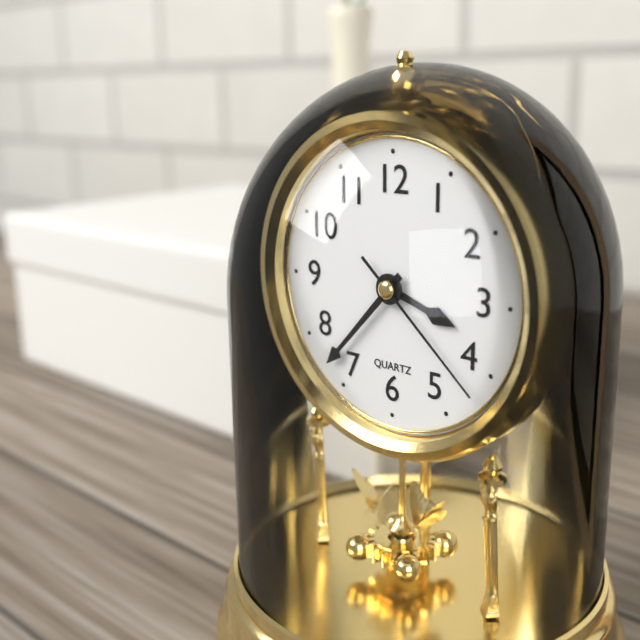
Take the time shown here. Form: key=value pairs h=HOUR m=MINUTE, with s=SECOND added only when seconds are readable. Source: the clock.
h=3 m=37 s=22
